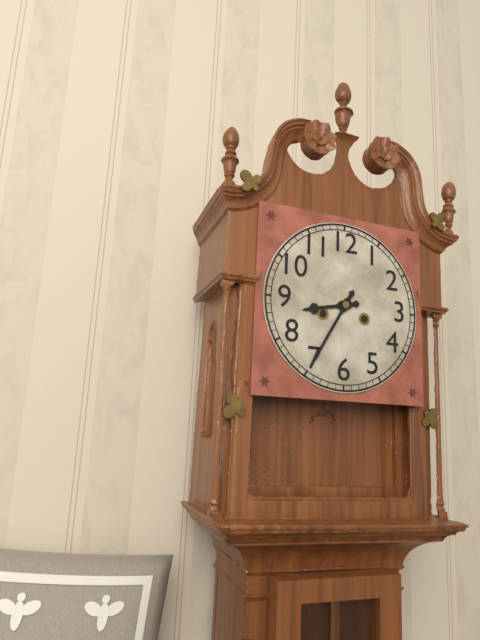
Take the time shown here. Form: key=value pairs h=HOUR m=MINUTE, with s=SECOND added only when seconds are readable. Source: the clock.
h=8 m=35
